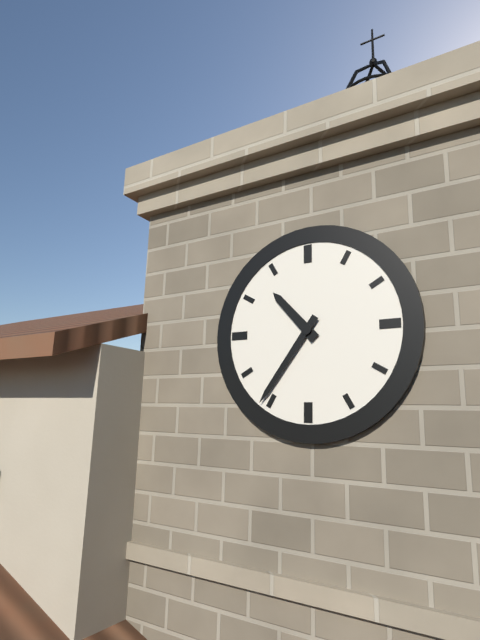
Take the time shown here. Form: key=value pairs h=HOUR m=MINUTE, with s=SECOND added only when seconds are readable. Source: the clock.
h=10 m=36
